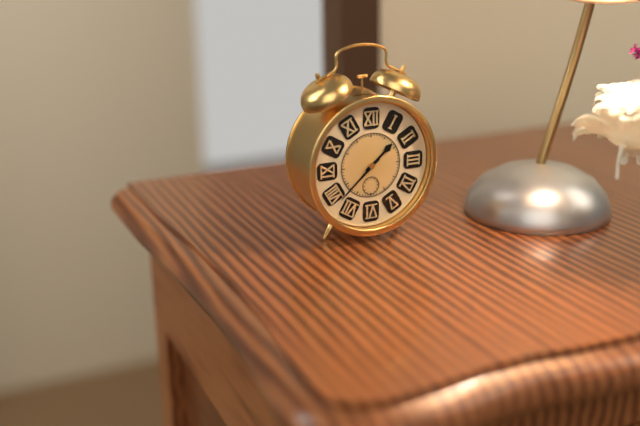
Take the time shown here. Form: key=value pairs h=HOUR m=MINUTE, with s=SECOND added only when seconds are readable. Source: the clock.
h=1 m=38
